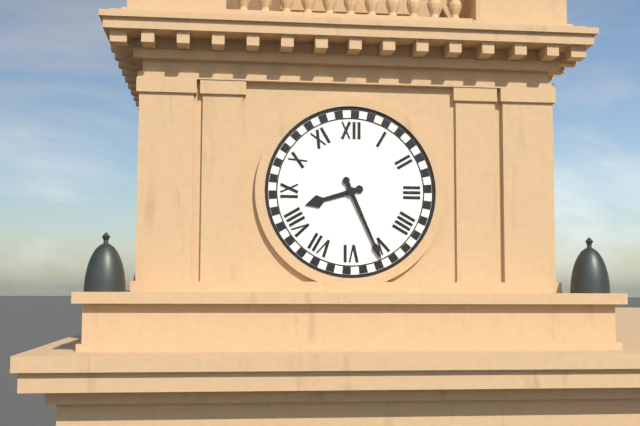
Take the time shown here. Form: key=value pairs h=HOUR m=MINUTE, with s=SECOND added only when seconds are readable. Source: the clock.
h=8 m=26
